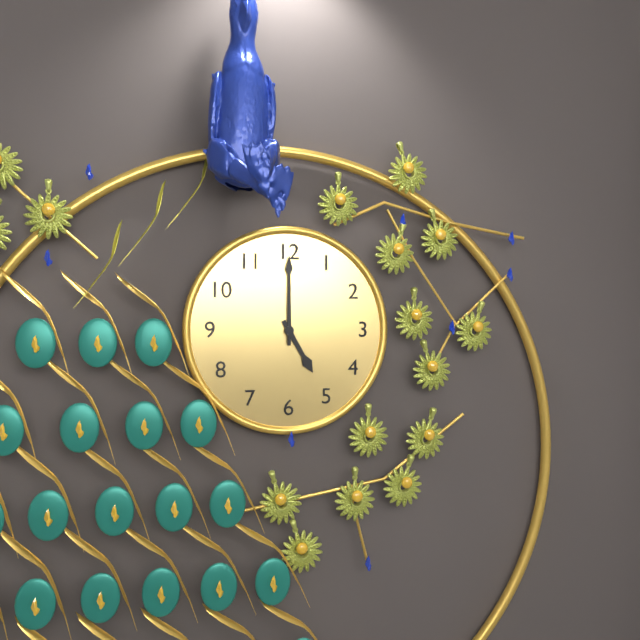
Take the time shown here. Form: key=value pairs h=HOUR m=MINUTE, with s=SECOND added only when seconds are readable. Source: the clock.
h=5 m=0
